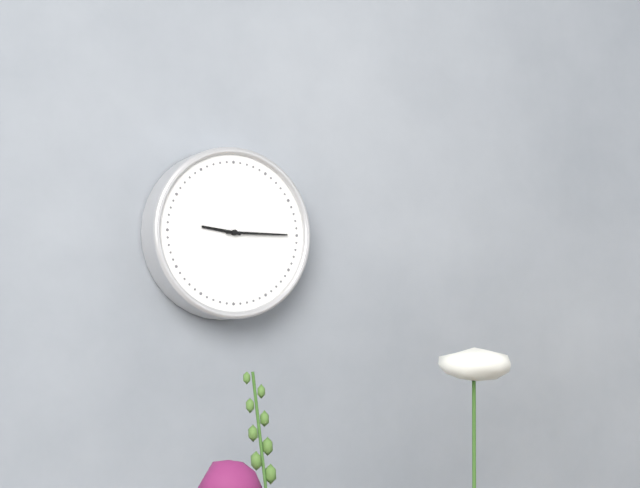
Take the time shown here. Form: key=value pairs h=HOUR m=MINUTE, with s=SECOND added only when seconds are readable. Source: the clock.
h=9 m=15
